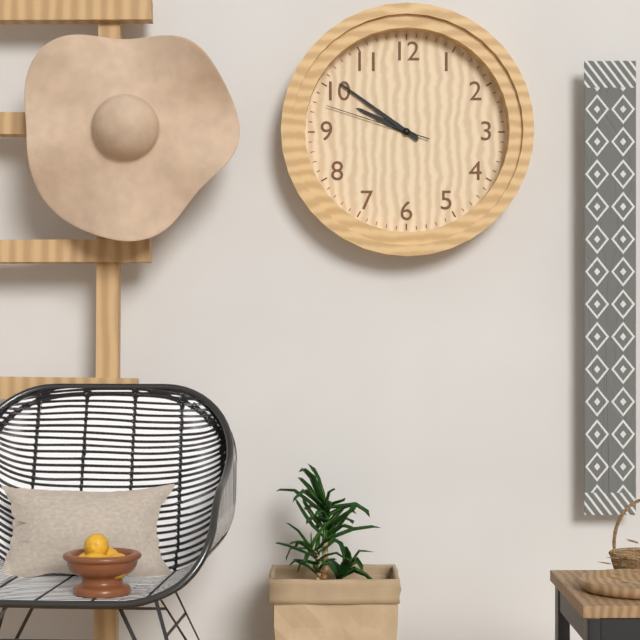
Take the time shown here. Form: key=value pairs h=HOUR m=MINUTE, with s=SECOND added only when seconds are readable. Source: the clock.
h=9 m=51 s=48
